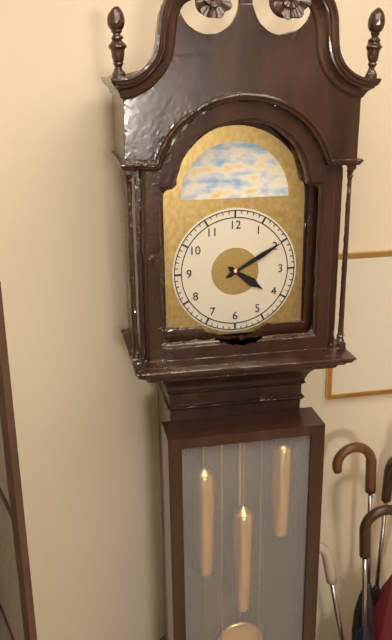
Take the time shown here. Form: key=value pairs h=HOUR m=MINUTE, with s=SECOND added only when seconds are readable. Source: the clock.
h=4 m=10
